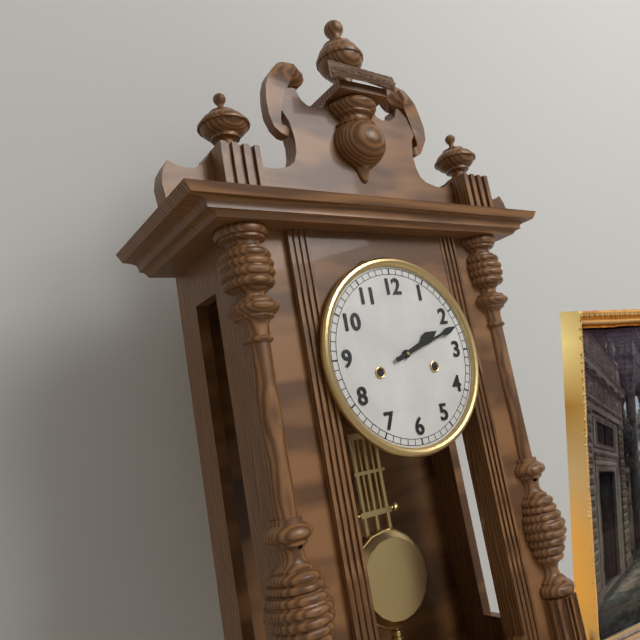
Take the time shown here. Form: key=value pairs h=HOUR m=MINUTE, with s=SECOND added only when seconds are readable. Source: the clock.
h=2 m=12
